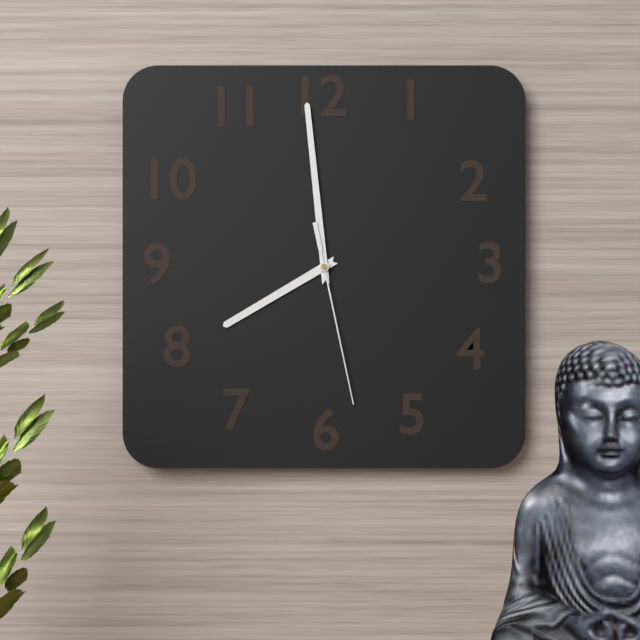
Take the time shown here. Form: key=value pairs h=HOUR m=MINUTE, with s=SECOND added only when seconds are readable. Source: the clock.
h=7 m=59 s=28
